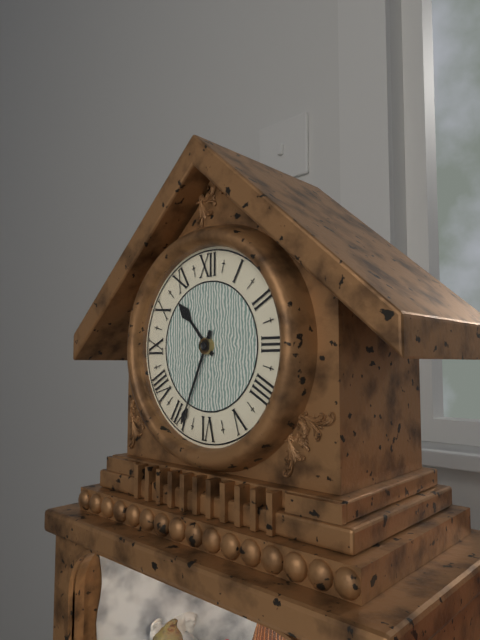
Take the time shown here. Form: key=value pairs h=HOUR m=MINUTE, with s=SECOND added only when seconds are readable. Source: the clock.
h=10 m=34
